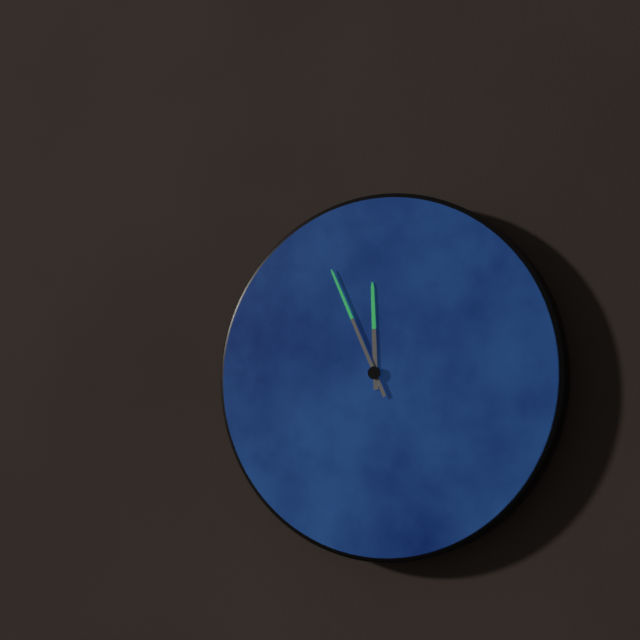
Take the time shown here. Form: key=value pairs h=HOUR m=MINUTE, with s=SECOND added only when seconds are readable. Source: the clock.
h=11 m=56
